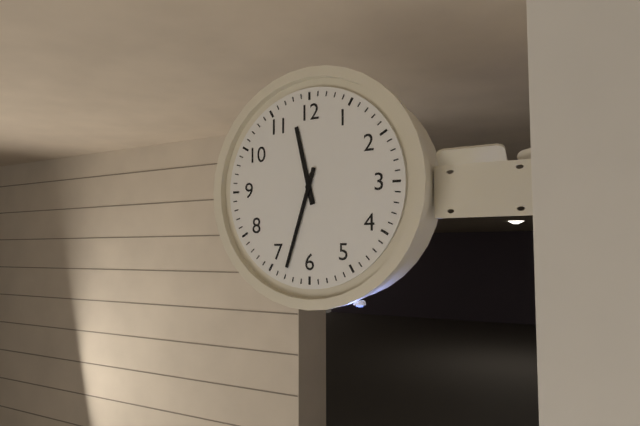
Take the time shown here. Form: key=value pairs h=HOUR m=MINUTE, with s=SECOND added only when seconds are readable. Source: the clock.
h=11 m=33
